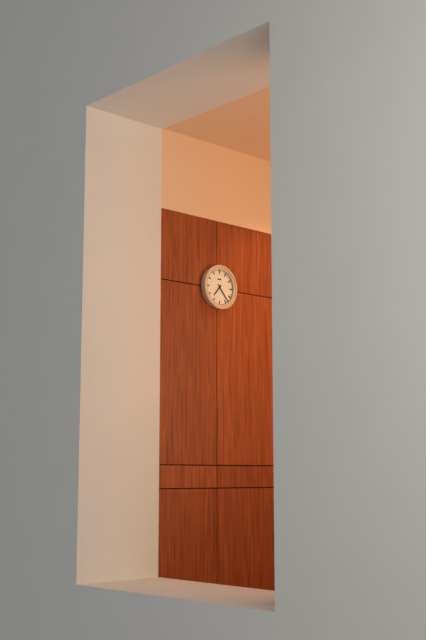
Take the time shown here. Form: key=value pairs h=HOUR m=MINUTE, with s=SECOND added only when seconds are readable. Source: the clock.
h=7 m=23
